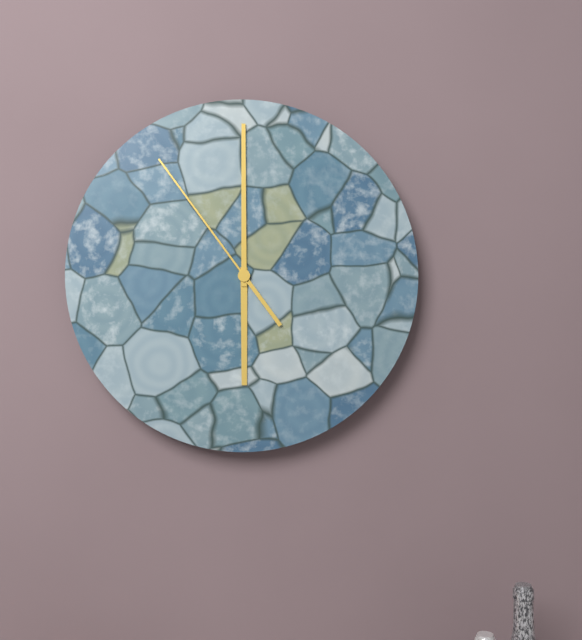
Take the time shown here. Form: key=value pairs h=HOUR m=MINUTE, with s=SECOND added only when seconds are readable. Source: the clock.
h=6 m=0 s=54
